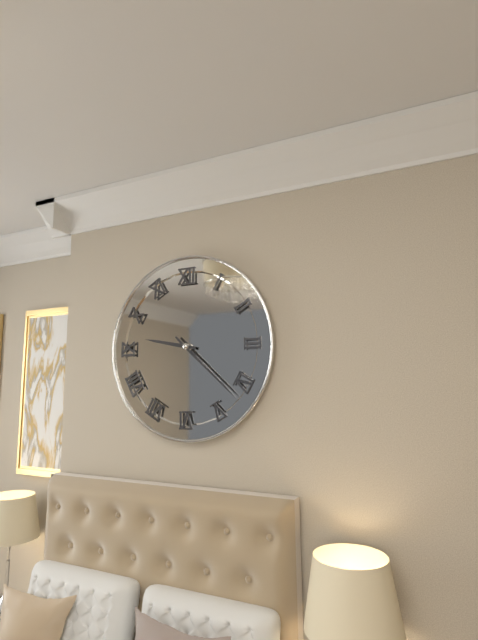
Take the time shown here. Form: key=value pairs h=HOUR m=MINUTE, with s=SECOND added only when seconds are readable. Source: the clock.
h=9 m=22
